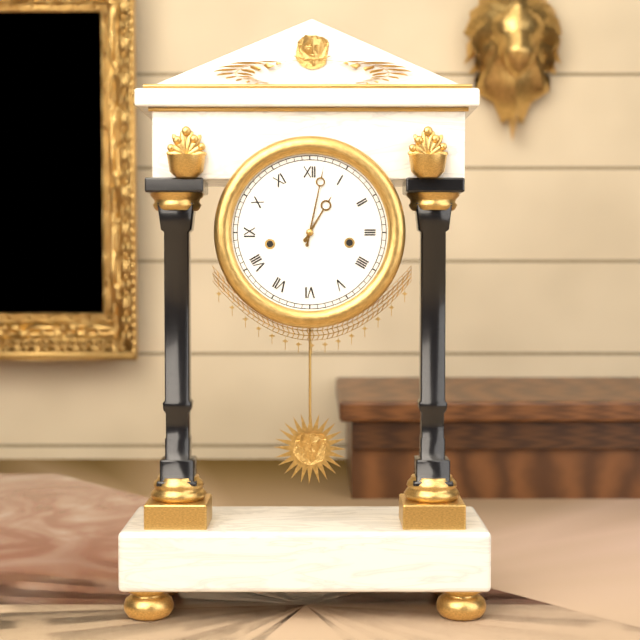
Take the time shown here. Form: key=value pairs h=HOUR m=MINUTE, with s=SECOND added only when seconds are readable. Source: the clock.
h=1 m=2
